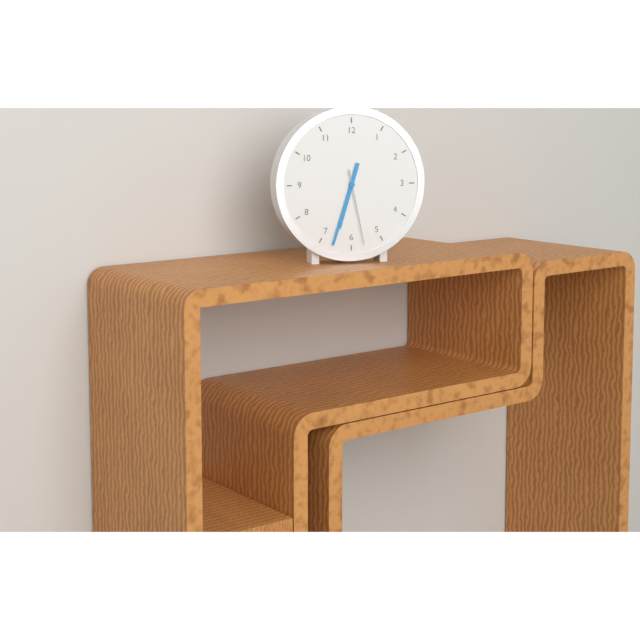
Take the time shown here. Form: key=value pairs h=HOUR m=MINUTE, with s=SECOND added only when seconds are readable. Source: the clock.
h=6 m=33 s=28
